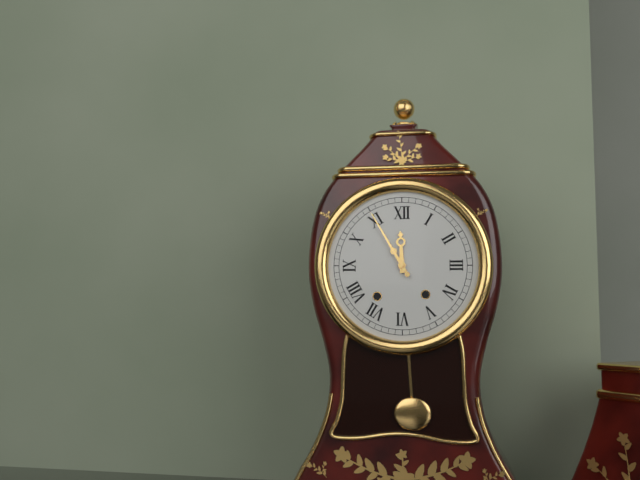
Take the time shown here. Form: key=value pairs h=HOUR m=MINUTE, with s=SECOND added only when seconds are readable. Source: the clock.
h=11 m=55
